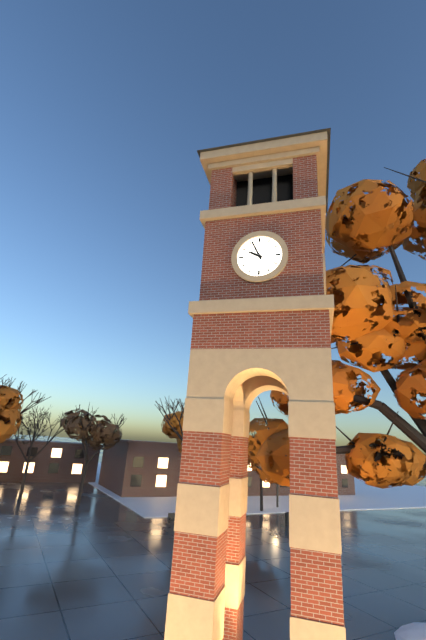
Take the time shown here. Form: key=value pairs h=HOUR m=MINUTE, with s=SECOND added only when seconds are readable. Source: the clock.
h=9 m=56
